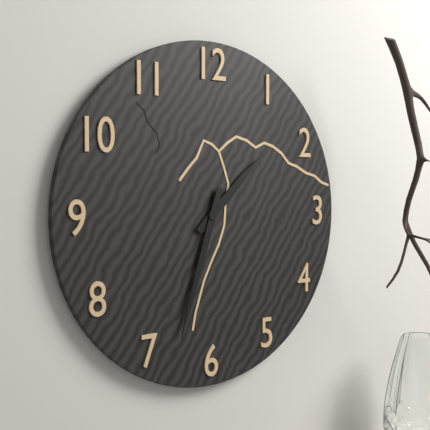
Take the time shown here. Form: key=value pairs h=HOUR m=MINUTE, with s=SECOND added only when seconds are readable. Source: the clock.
h=1 m=33
